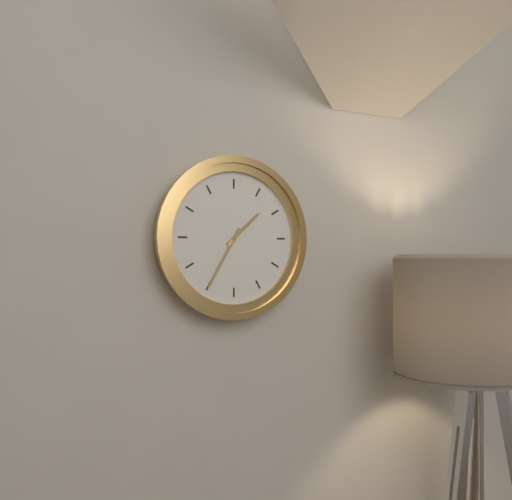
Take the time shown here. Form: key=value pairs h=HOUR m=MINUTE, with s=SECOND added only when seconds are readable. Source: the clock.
h=1 m=35
